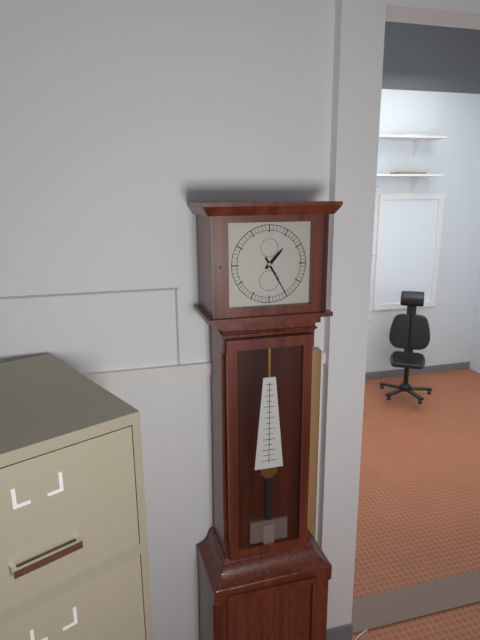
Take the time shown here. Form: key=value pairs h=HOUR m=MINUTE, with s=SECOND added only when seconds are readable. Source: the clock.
h=1 m=25
